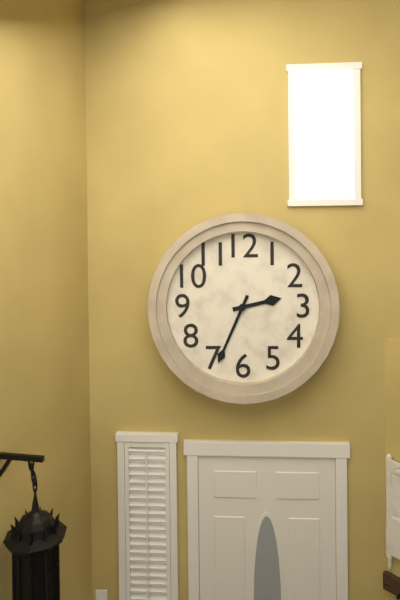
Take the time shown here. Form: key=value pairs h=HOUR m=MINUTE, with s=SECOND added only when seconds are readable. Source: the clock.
h=2 m=34
